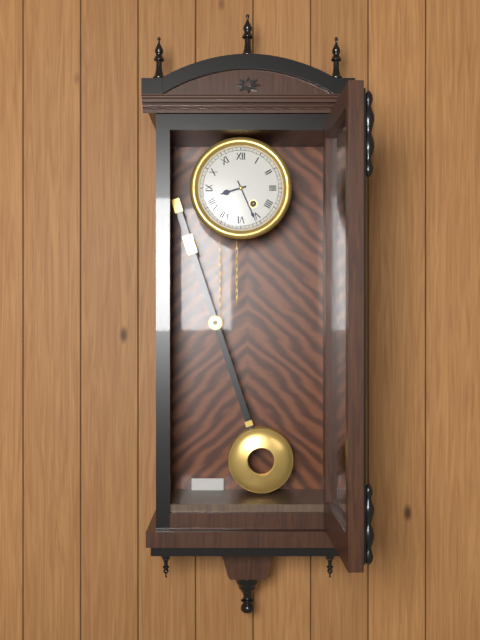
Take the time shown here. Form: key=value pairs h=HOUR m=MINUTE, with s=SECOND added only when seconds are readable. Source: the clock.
h=8 m=26
